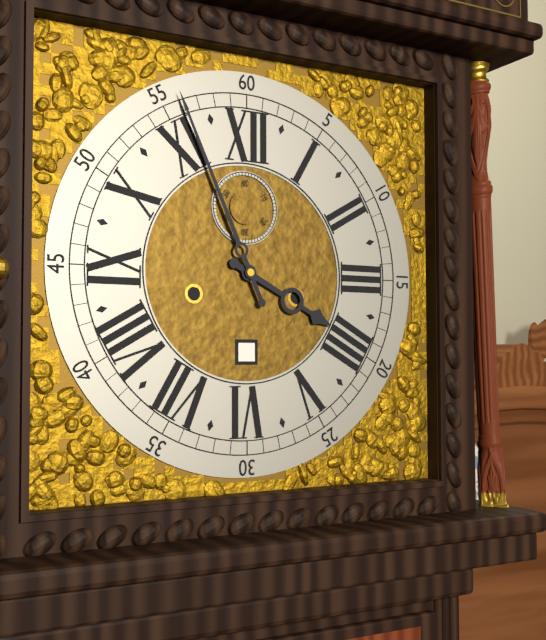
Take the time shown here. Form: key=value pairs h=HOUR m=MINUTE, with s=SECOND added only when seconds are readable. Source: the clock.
h=3 m=56
